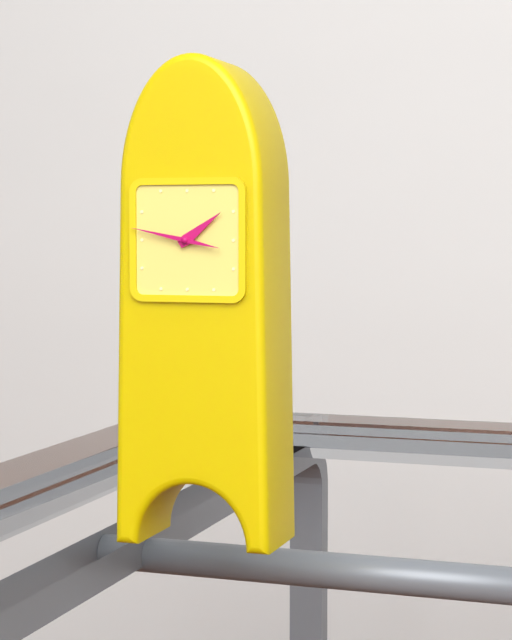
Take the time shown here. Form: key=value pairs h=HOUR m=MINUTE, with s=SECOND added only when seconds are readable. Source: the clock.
h=1 m=47
